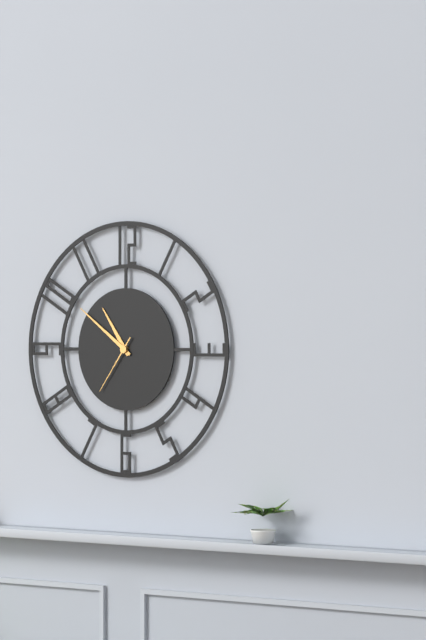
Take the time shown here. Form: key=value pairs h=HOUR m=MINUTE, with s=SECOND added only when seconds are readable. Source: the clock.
h=10 m=51 s=36
